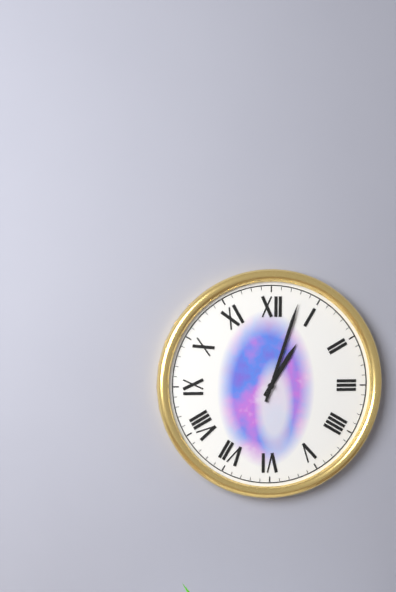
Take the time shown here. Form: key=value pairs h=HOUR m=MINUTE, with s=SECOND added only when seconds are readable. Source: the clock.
h=1 m=3
